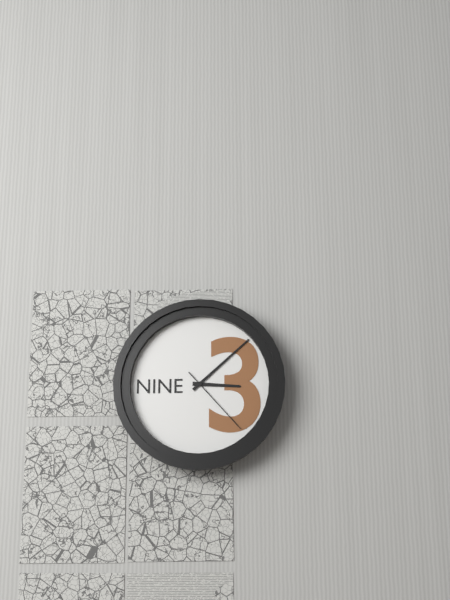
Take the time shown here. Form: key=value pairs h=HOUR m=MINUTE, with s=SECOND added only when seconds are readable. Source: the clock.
h=3 m=8 s=23
